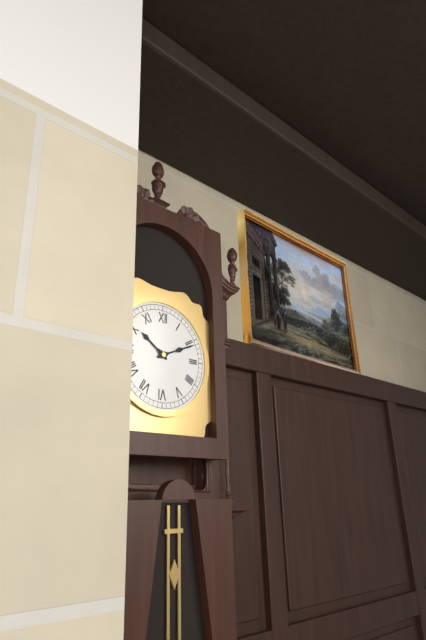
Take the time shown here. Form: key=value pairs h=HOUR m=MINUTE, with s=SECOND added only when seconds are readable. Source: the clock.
h=10 m=11
